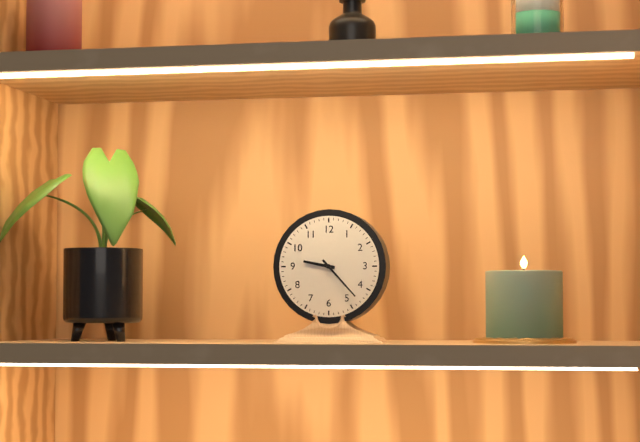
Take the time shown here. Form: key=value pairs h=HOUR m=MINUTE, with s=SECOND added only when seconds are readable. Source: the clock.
h=9 m=23
